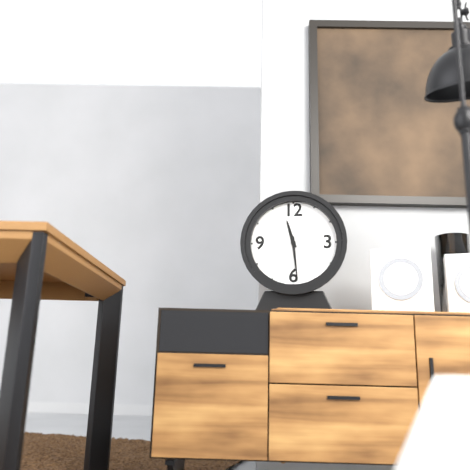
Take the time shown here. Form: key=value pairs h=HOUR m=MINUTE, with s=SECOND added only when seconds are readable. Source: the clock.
h=11 m=29
